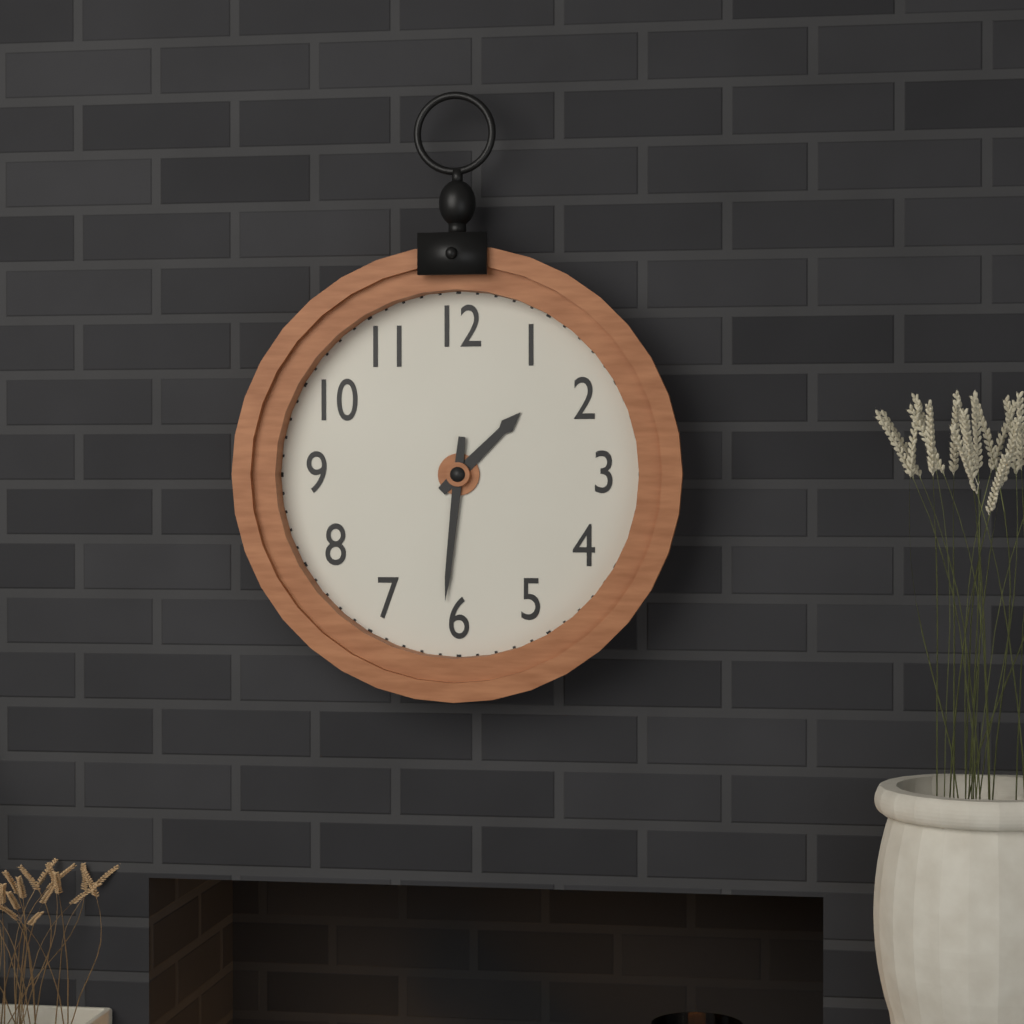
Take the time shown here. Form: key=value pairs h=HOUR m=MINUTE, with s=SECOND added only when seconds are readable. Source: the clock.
h=1 m=31
